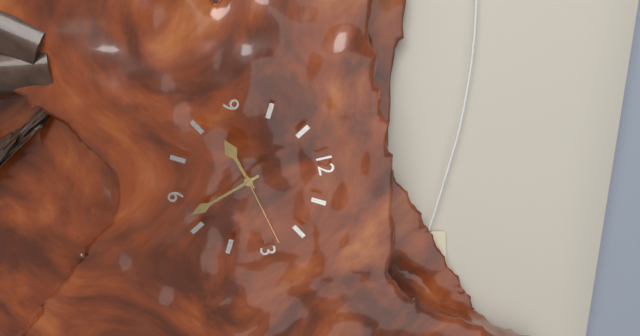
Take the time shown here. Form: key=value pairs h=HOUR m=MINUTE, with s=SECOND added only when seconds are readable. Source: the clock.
h=8 m=27 s=13
